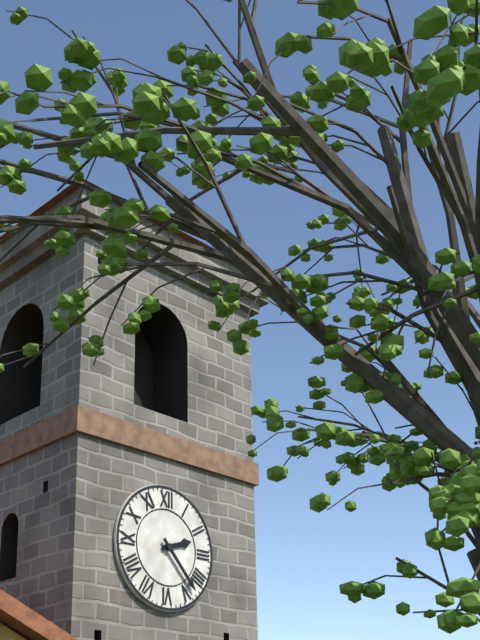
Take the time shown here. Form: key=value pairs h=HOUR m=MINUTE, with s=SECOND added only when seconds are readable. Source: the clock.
h=2 m=23
